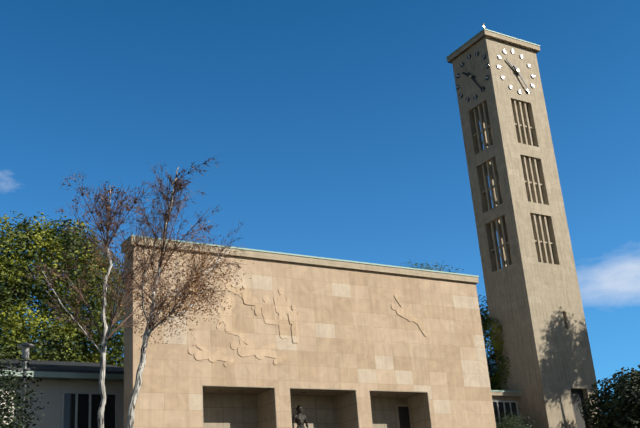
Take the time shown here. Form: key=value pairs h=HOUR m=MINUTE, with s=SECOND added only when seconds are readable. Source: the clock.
h=10 m=25
